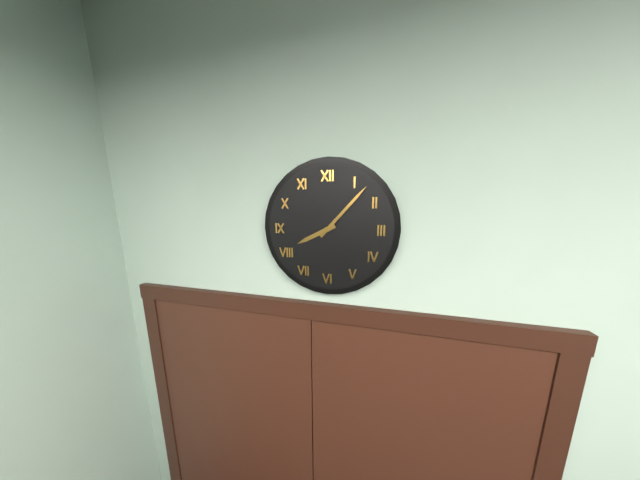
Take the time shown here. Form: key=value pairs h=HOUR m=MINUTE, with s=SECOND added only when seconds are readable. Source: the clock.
h=8 m=7
